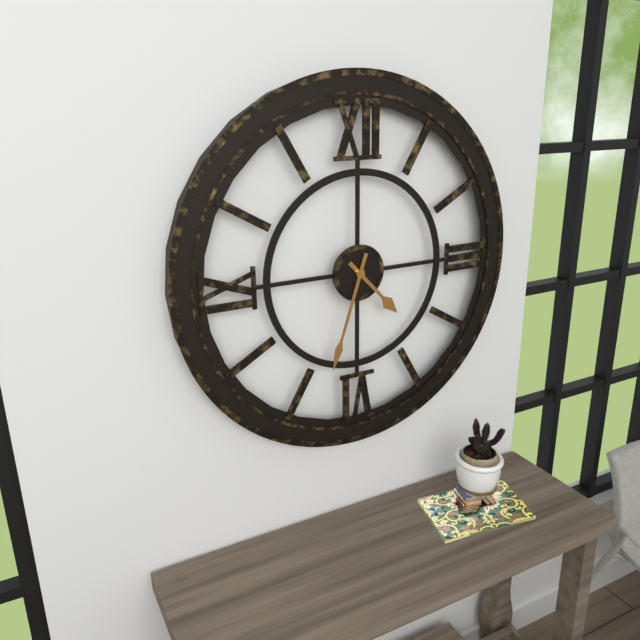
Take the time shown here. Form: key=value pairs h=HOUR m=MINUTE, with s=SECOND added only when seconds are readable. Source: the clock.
h=4 m=33
